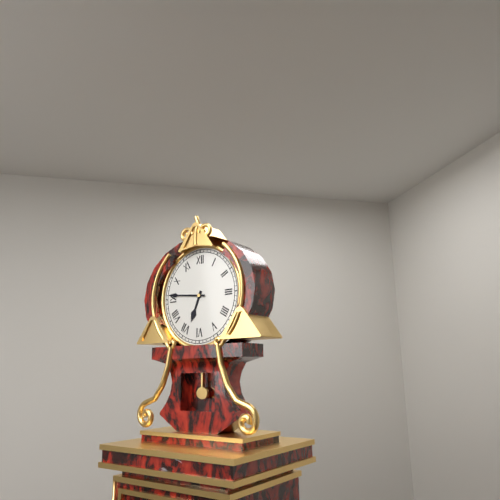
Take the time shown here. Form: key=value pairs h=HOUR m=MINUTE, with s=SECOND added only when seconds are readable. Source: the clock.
h=6 m=46
